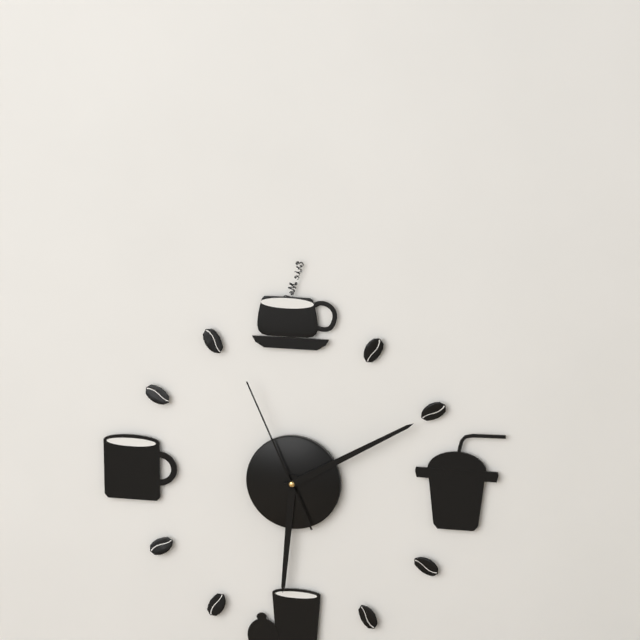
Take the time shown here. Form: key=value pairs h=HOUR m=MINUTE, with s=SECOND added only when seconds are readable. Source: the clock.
h=6 m=10 s=56
